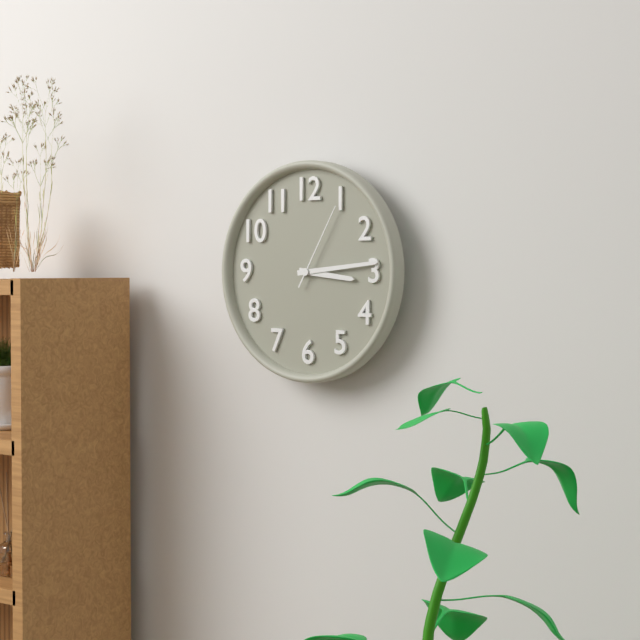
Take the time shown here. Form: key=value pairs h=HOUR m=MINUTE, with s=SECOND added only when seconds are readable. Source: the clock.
h=3 m=14 s=5
